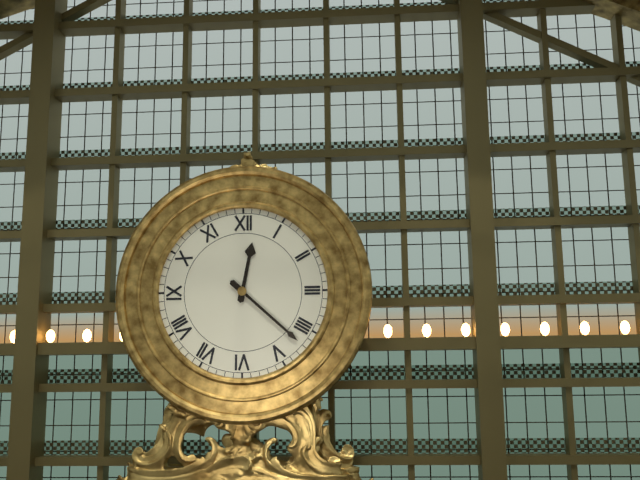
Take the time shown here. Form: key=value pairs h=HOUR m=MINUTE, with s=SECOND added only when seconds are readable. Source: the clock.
h=12 m=22
